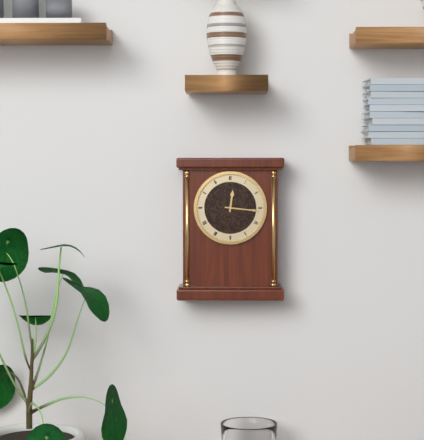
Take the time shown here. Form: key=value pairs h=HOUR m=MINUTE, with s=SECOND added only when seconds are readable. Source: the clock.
h=12 m=16
